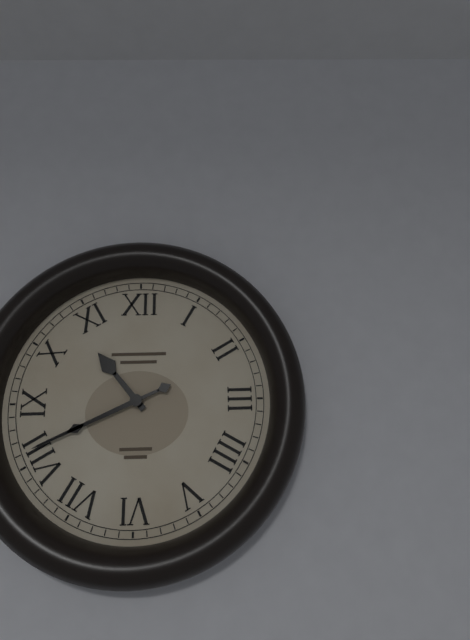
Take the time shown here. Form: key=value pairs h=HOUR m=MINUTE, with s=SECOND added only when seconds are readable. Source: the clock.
h=10 m=41
